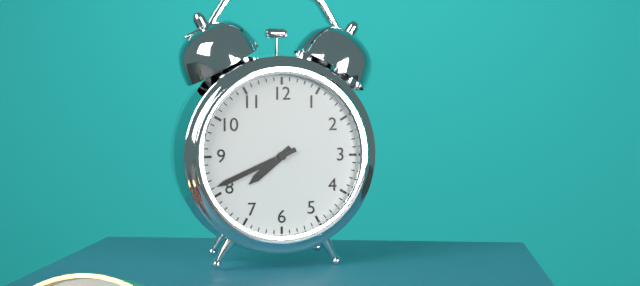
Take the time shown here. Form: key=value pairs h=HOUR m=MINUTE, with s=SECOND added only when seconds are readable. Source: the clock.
h=7 m=41
